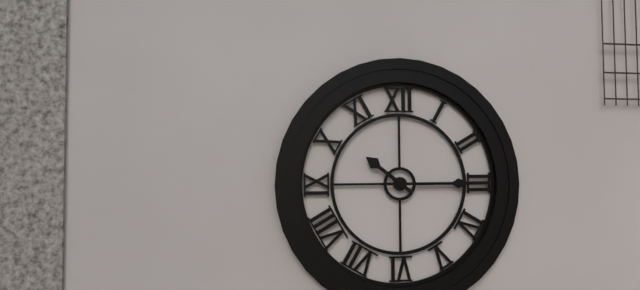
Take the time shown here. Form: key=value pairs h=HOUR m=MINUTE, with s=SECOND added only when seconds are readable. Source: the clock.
h=10 m=15
